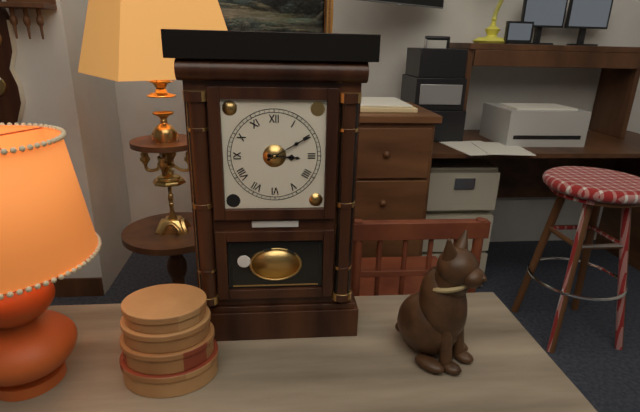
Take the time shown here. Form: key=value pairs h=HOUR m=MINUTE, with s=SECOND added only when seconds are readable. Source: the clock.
h=3 m=10
